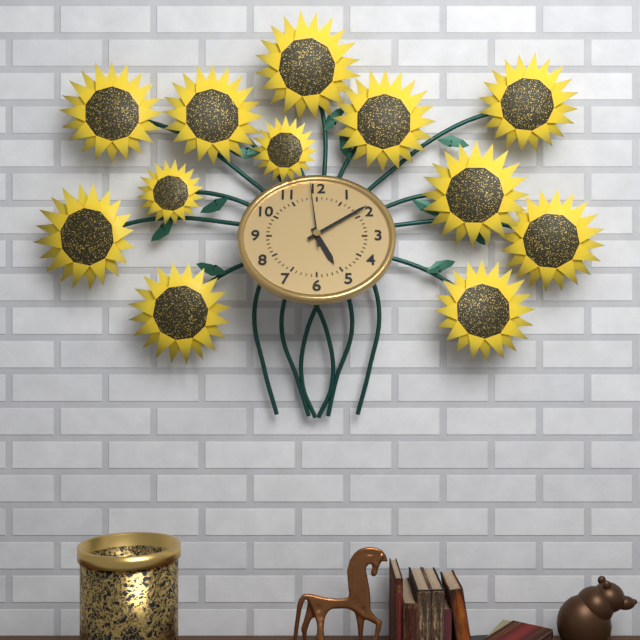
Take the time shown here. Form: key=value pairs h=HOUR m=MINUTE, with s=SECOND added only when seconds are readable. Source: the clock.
h=5 m=9 s=59
